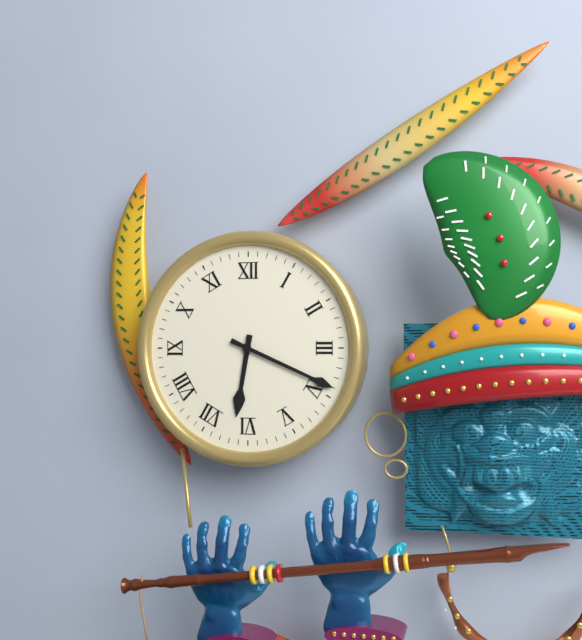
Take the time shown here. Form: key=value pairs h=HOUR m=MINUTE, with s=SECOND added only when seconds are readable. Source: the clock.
h=6 m=19
